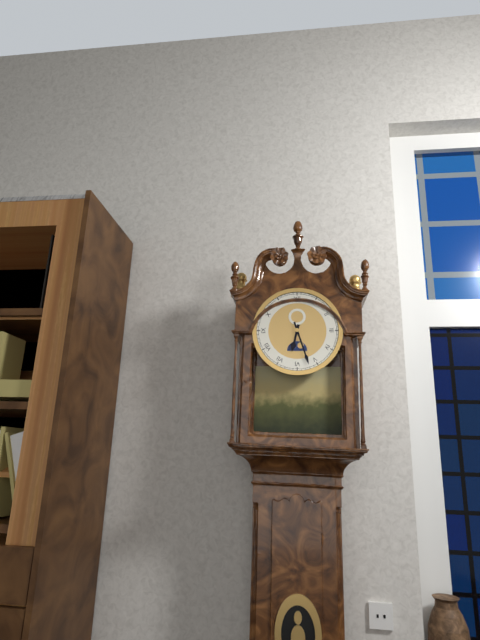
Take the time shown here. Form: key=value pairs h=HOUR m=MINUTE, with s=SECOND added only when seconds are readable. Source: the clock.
h=6 m=27
